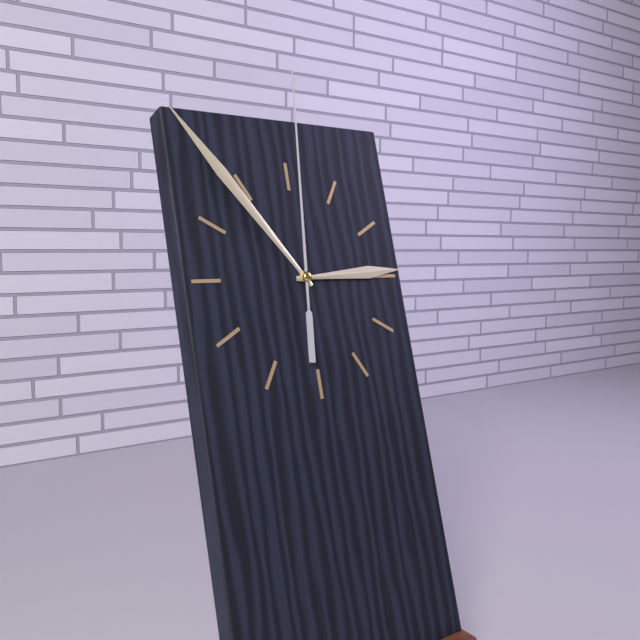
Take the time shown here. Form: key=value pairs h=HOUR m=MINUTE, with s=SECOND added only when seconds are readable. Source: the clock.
h=2 m=54 s=1
